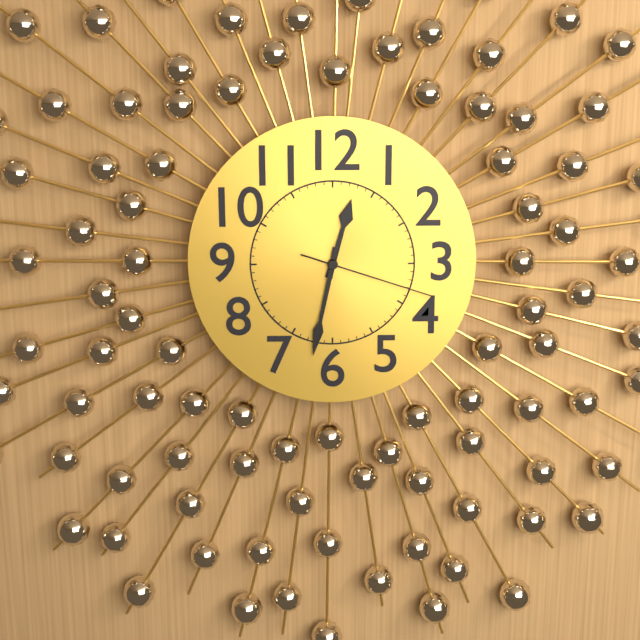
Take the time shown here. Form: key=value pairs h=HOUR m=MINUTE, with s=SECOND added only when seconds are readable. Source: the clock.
h=12 m=32 s=18
